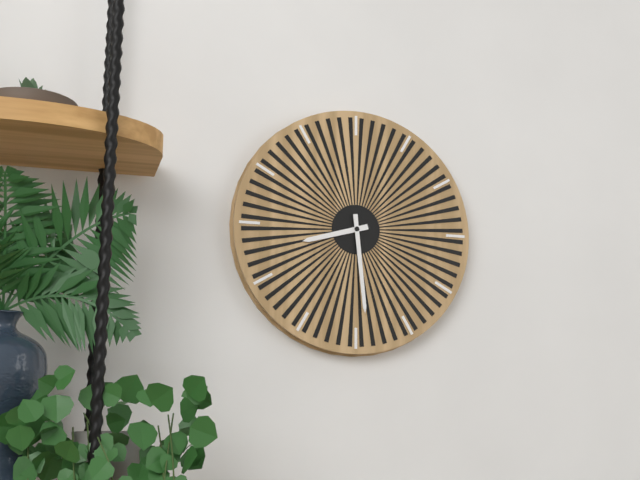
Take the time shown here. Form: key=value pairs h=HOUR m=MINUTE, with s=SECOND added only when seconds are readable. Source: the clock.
h=8 m=29
